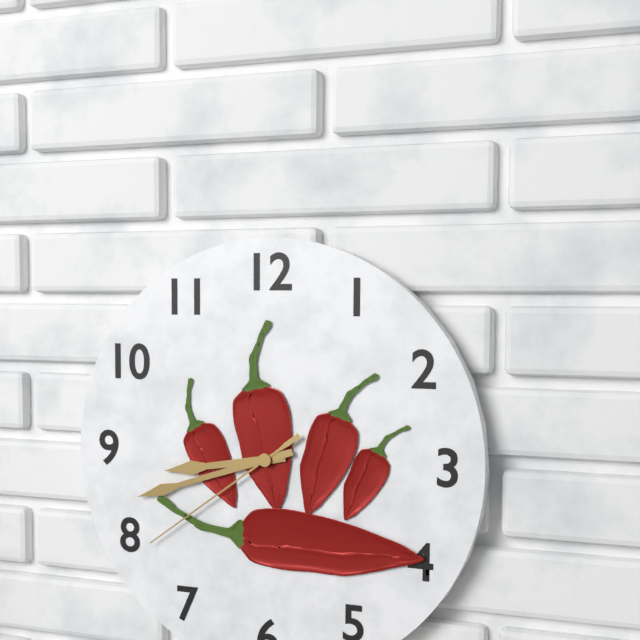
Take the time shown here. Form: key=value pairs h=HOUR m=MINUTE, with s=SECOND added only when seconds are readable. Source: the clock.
h=8 m=42 s=39
